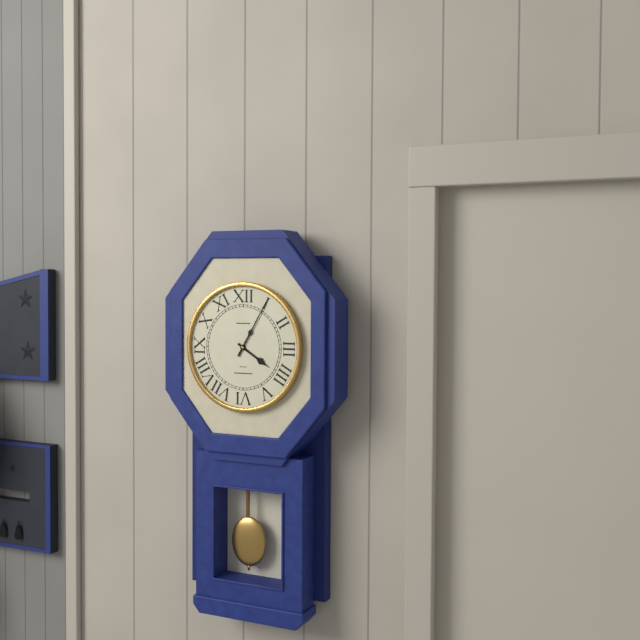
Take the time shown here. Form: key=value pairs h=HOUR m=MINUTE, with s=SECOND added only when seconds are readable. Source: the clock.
h=4 m=5
